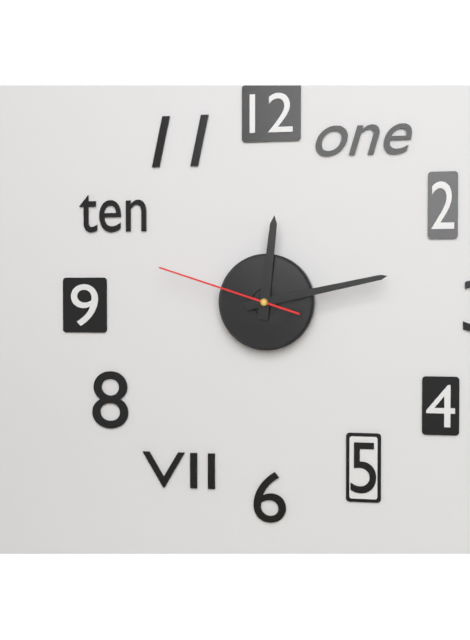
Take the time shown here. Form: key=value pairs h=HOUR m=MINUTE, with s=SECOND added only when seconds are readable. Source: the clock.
h=12 m=13 s=48
